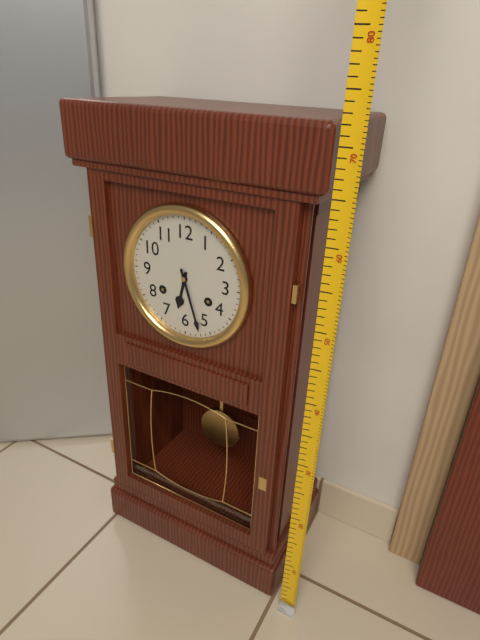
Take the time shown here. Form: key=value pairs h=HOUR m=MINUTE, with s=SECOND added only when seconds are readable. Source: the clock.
h=6 m=27
